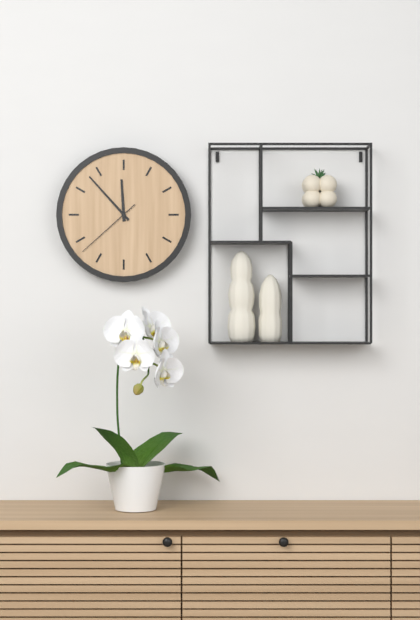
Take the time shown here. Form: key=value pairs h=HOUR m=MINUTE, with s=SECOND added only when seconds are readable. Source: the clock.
h=11 m=53 s=38
